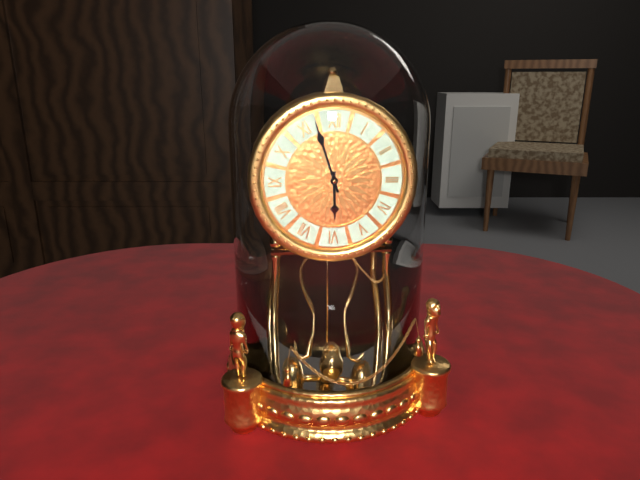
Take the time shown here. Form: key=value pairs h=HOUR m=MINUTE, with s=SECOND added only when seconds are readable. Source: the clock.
h=5 m=57
